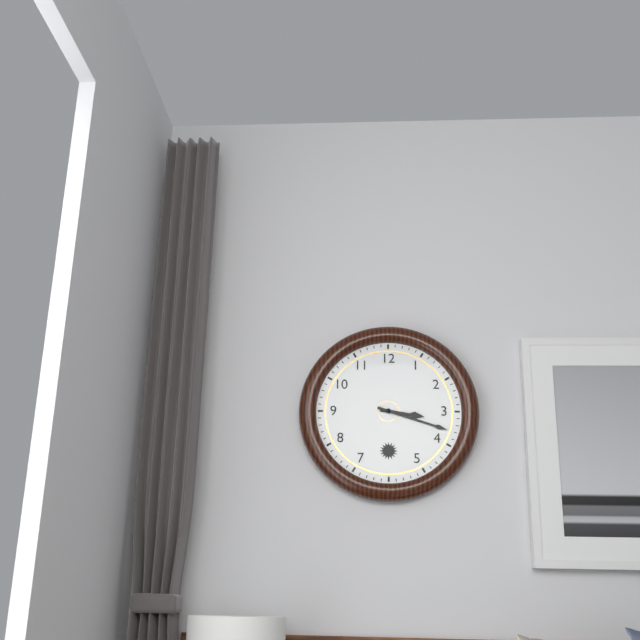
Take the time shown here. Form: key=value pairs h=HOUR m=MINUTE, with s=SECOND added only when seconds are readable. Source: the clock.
h=3 m=18
